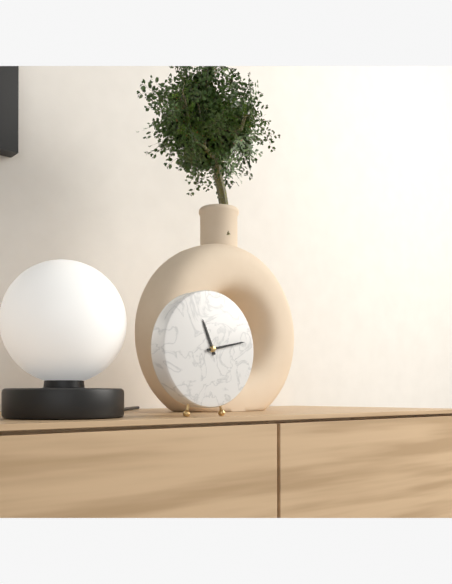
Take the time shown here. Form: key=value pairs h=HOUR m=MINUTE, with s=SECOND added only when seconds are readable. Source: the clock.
h=11 m=13
